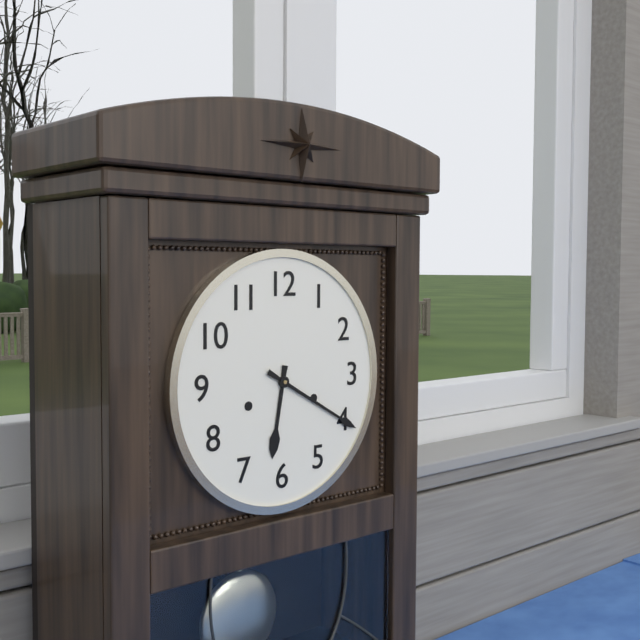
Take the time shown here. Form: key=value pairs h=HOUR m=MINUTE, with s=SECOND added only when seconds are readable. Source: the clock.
h=6 m=20
